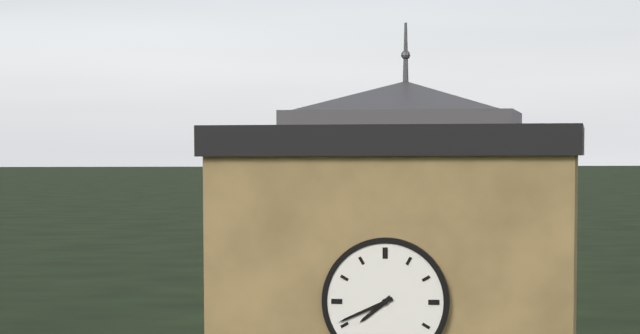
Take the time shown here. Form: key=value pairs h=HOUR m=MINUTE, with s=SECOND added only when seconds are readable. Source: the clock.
h=7 m=41
